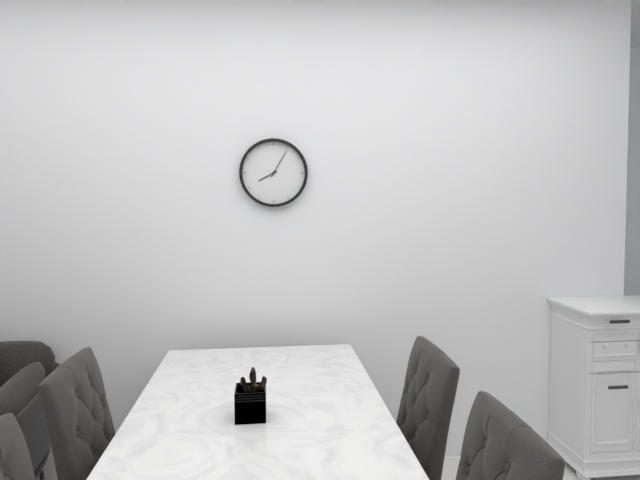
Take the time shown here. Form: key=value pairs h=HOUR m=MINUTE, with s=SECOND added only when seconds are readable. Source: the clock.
h=8 m=5
